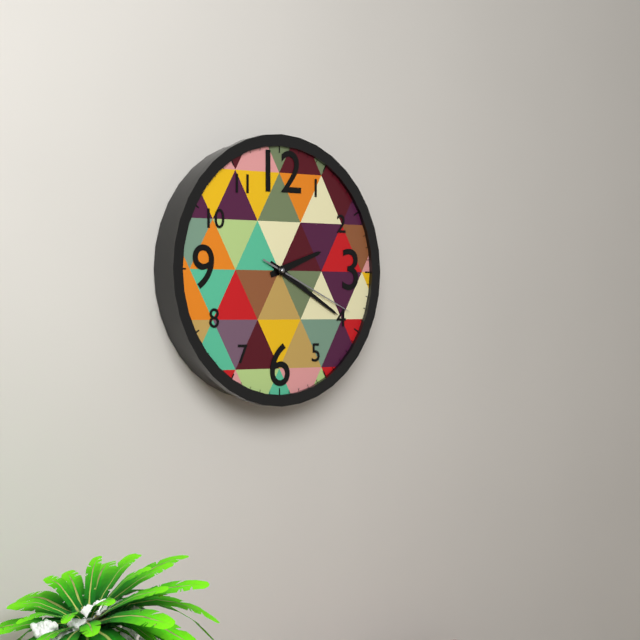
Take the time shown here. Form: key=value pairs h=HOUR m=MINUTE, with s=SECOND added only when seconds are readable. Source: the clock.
h=2 m=20 s=19
